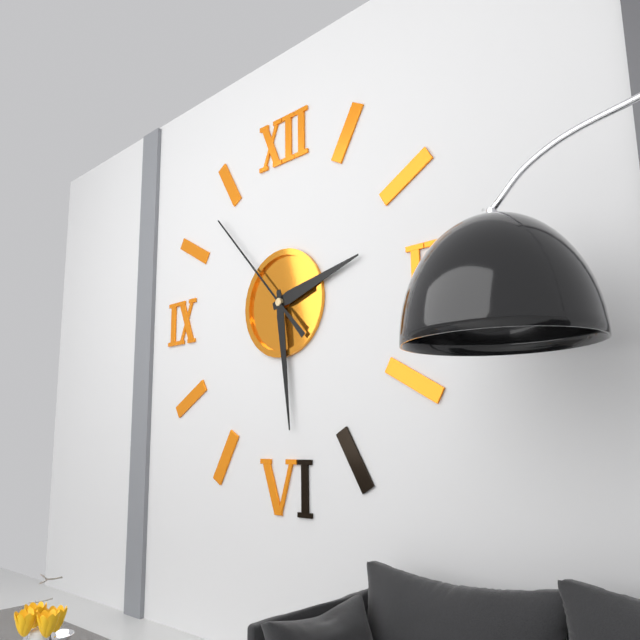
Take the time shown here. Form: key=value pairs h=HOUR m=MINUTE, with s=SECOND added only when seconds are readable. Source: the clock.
h=2 m=29 s=53
